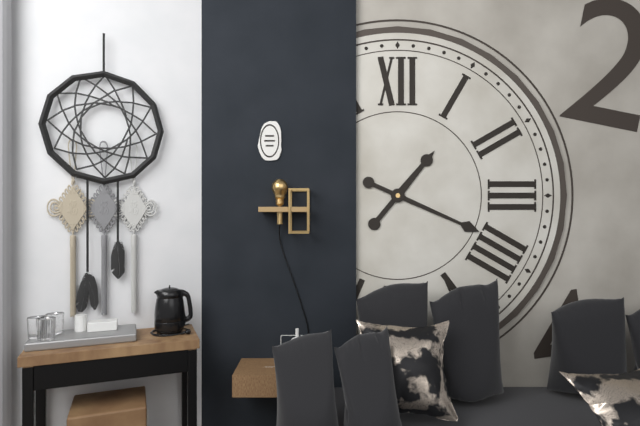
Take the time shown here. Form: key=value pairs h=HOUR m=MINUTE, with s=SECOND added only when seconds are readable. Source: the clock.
h=1 m=19
